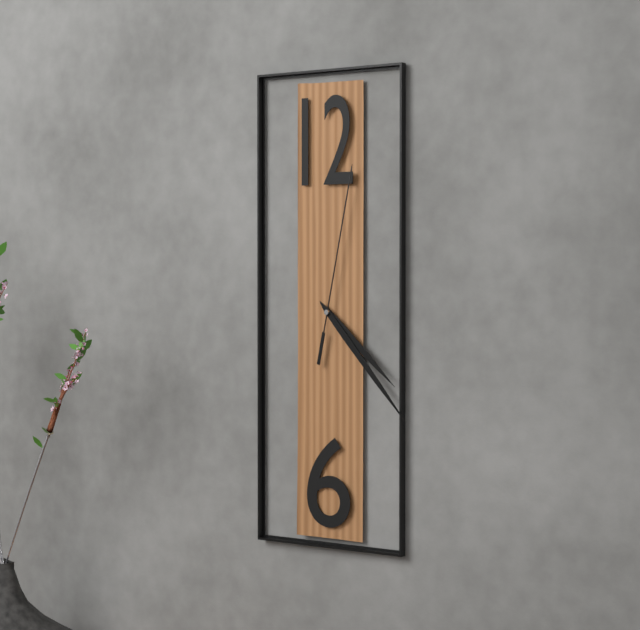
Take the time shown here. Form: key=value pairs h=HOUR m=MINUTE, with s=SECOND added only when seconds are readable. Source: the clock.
h=4 m=23 s=2
